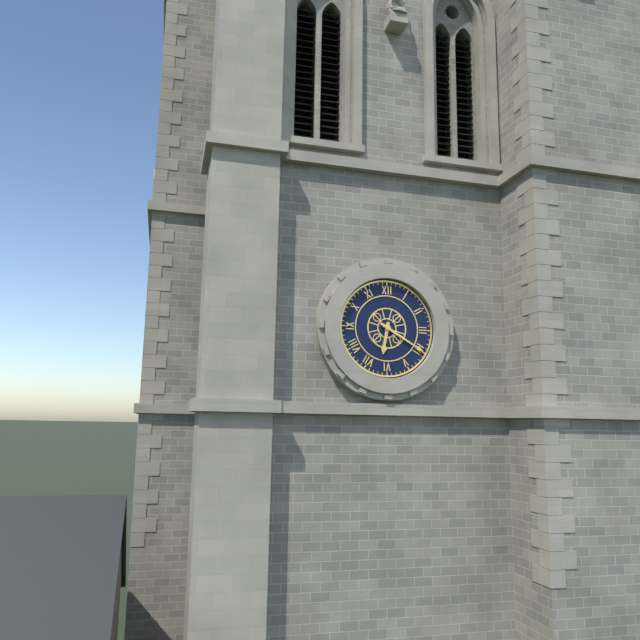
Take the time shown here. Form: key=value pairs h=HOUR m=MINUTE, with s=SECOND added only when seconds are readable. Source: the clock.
h=6 m=20
